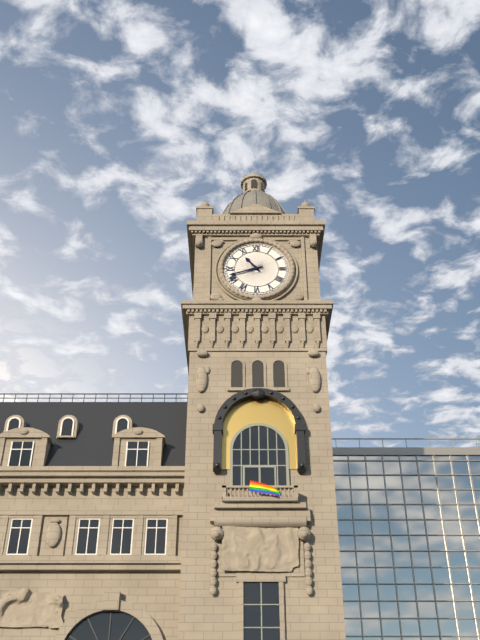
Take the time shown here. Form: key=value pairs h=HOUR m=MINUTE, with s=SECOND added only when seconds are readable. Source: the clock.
h=10 m=42
